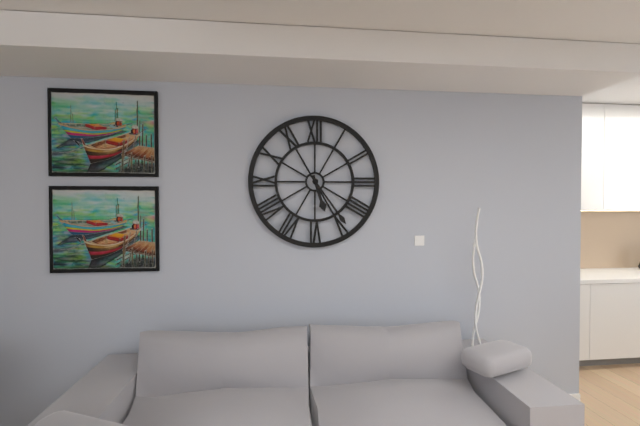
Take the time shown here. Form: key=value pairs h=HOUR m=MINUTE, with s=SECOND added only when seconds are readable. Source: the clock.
h=5 m=24
